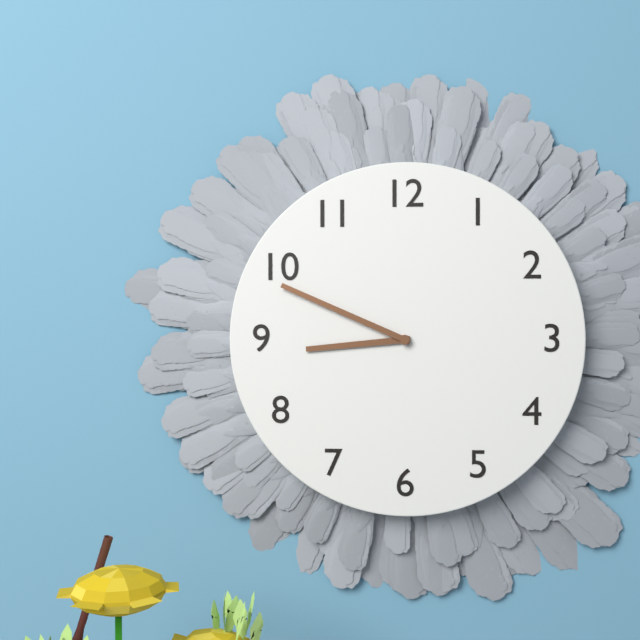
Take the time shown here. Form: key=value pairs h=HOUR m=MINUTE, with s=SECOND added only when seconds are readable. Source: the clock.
h=8 m=49
